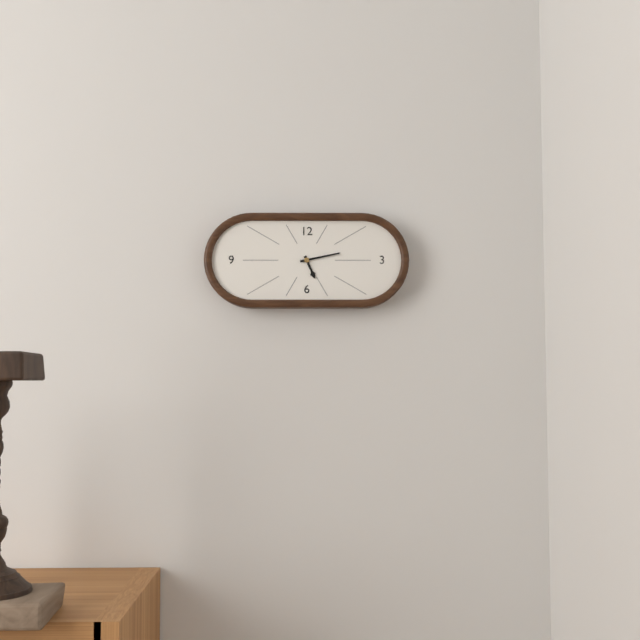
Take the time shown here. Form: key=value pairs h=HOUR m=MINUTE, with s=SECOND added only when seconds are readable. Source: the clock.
h=5 m=13
